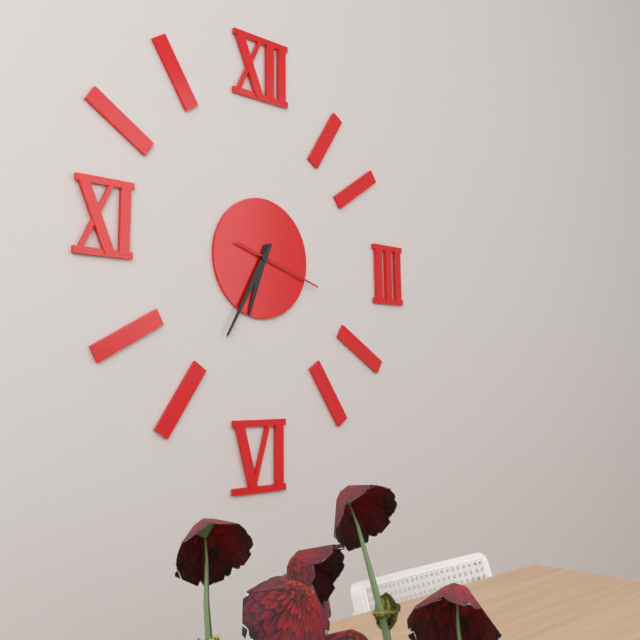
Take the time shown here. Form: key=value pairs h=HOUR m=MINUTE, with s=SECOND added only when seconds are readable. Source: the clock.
h=6 m=35 s=18
